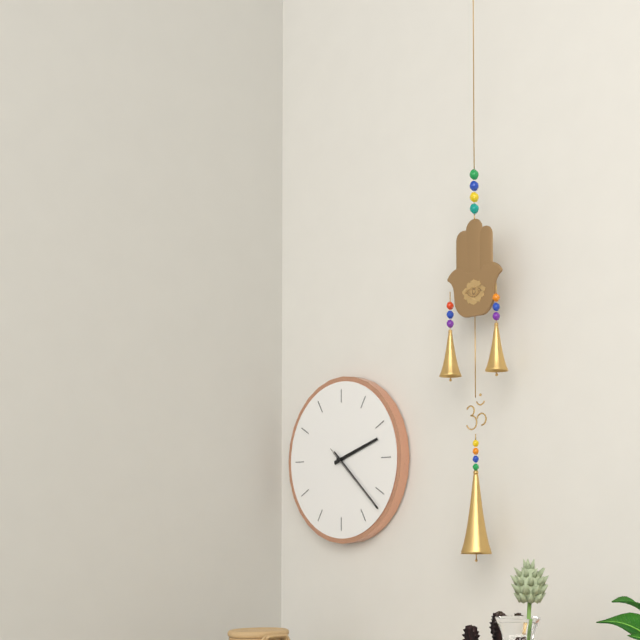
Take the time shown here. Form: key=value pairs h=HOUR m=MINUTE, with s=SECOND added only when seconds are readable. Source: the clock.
h=2 m=22 s=22
